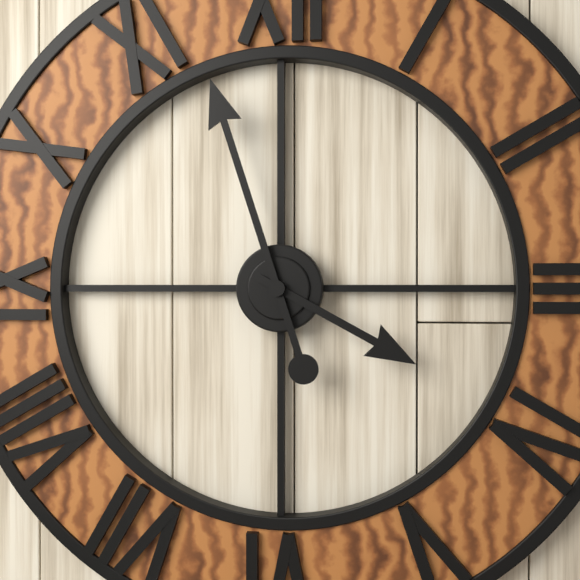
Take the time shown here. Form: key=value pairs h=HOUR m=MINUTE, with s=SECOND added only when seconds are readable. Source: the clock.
h=3 m=57
